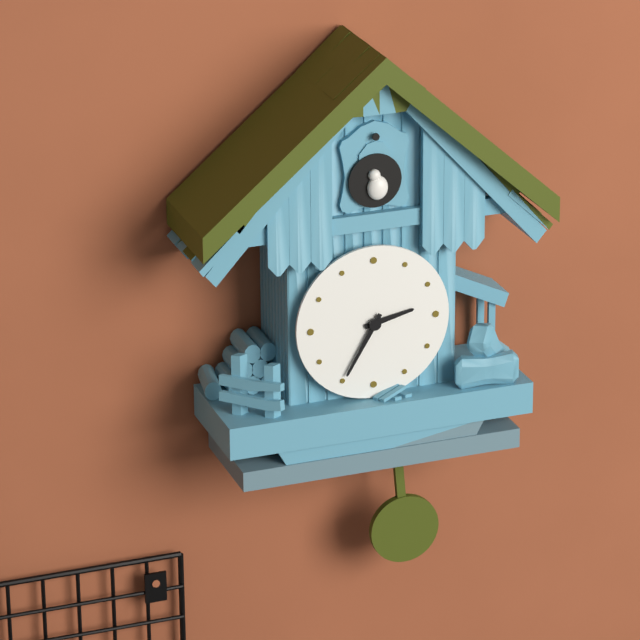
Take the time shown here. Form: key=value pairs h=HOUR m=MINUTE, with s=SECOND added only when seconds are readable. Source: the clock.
h=2 m=35
